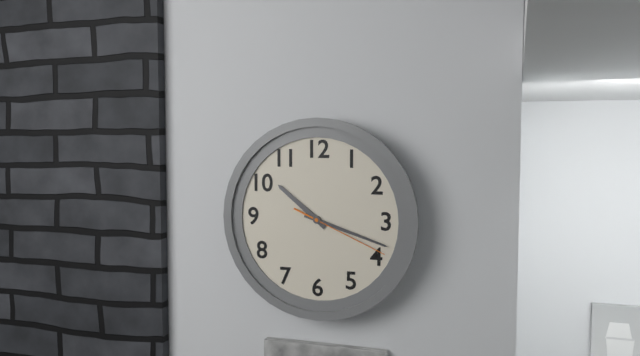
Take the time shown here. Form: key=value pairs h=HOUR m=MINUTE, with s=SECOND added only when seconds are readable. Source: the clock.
h=10 m=18 s=19
